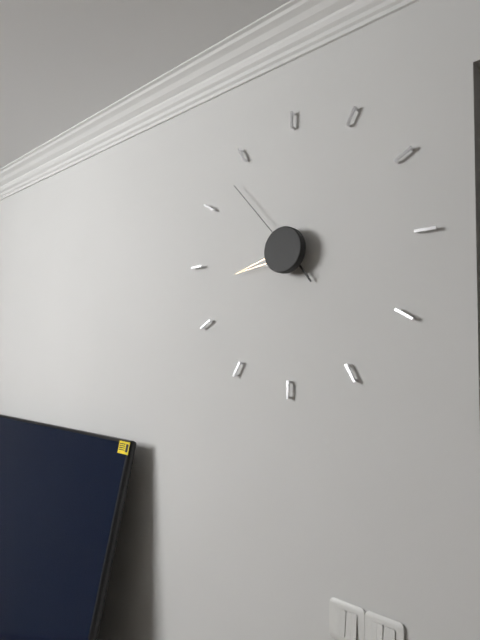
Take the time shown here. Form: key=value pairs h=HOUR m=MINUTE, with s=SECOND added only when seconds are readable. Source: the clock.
h=4 m=43 s=53
